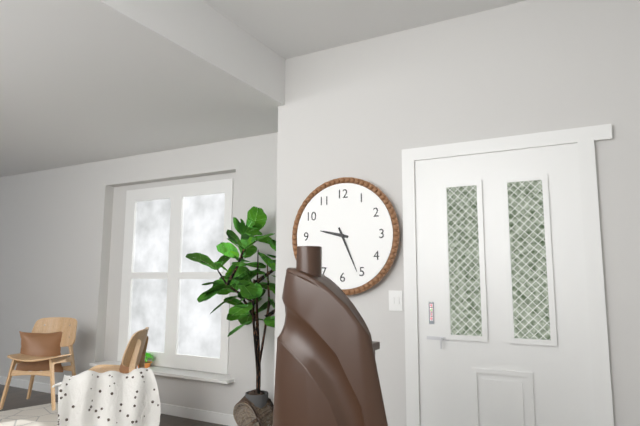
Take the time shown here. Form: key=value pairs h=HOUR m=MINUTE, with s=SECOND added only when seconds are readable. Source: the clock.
h=9 m=26
